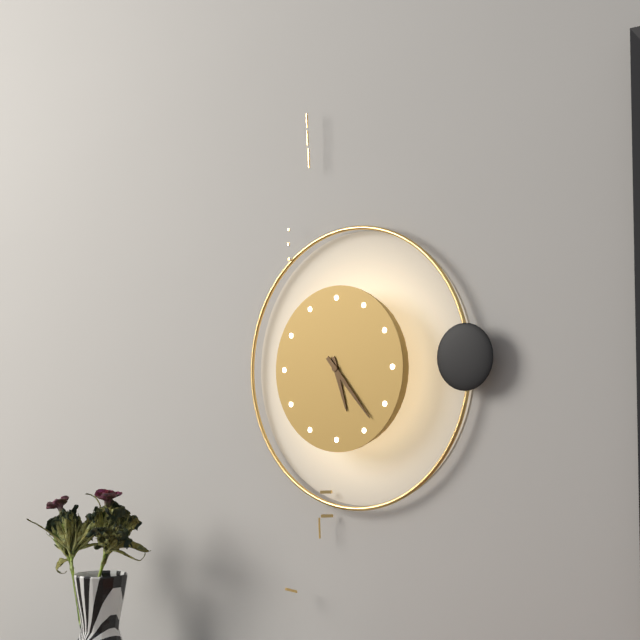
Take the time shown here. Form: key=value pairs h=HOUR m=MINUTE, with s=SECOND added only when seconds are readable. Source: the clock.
h=5 m=23
